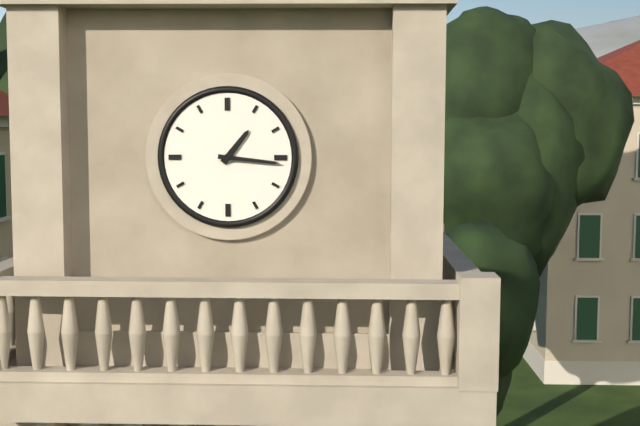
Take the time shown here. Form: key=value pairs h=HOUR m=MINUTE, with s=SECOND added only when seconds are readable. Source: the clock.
h=1 m=16
